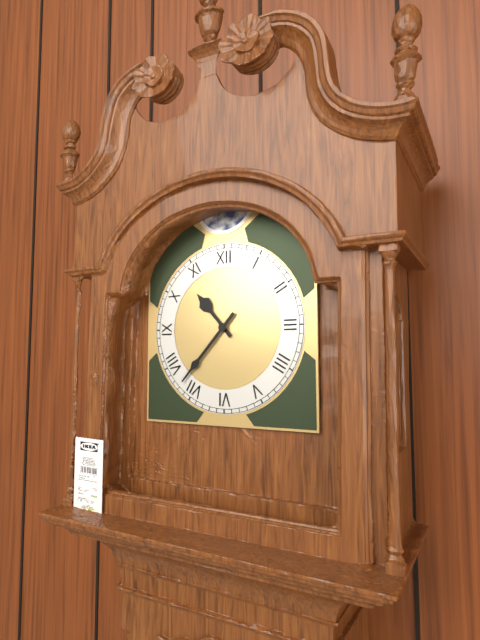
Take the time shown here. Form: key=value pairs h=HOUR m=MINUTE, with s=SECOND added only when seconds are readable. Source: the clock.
h=10 m=37
